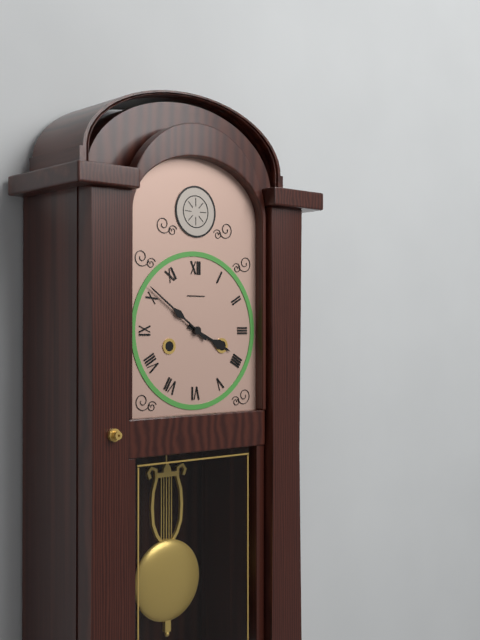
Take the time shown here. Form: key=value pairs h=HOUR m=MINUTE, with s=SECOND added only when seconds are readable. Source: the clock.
h=3 m=51
